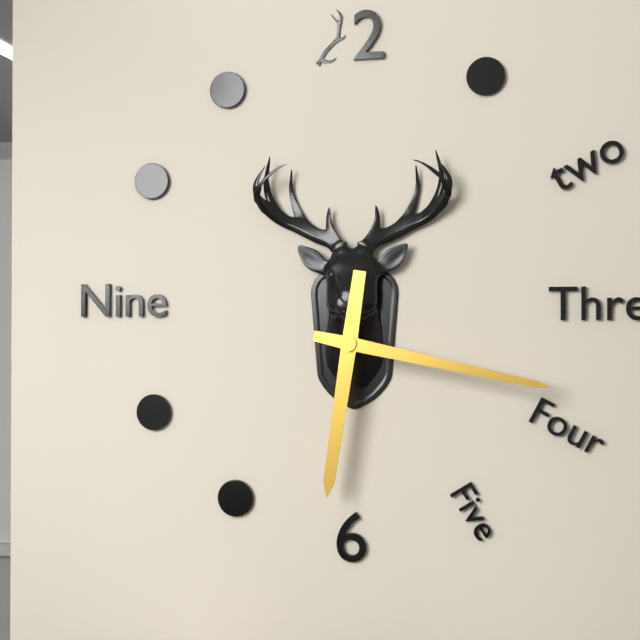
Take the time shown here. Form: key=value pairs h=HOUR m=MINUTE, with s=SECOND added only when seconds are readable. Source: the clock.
h=6 m=17
